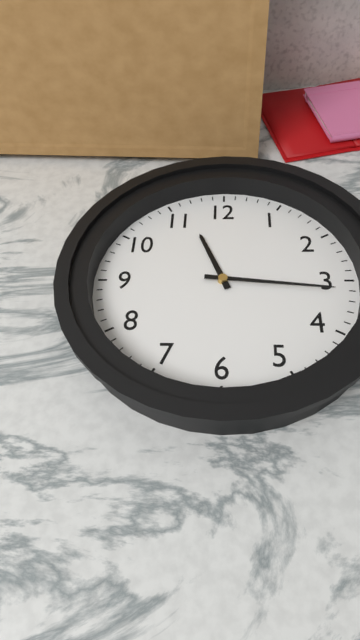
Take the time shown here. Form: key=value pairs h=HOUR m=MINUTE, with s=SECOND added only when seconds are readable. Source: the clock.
h=11 m=16
